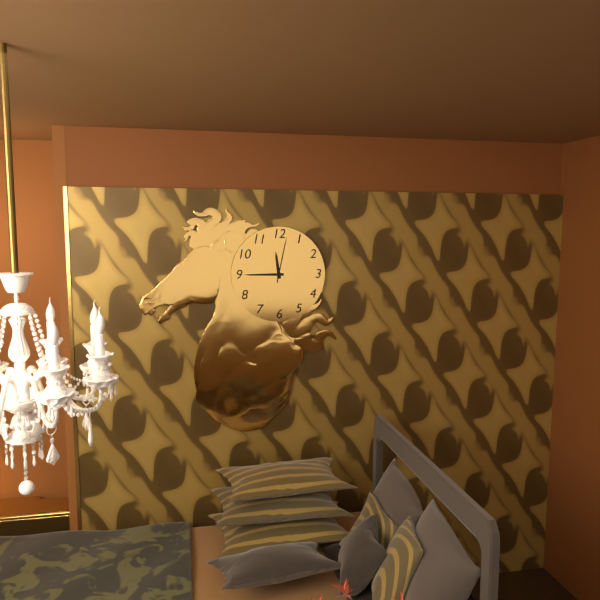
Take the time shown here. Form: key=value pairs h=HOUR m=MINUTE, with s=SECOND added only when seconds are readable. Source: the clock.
h=11 m=45
